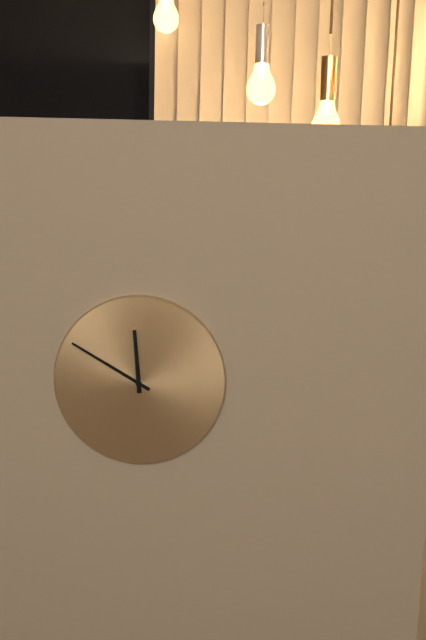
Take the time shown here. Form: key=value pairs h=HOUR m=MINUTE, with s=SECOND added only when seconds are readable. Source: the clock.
h=11 m=50
